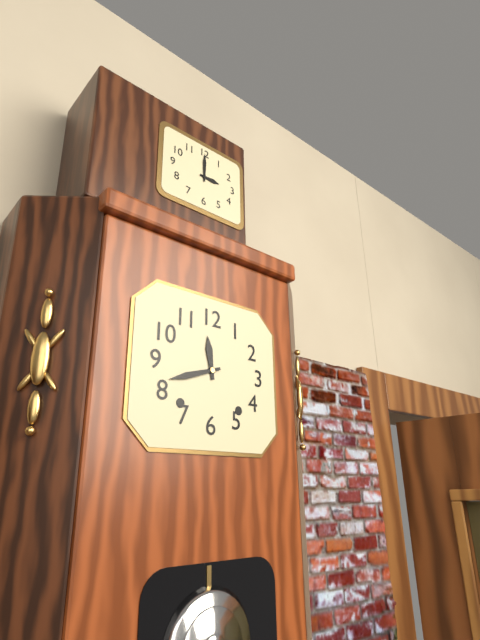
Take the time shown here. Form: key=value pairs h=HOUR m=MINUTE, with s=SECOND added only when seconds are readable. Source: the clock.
h=11 m=42
